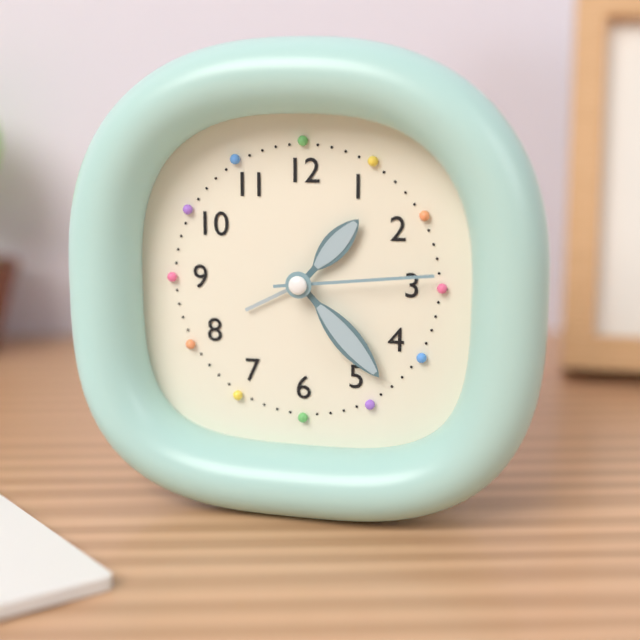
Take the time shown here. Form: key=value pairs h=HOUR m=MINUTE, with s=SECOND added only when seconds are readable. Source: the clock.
h=1 m=23 s=14
